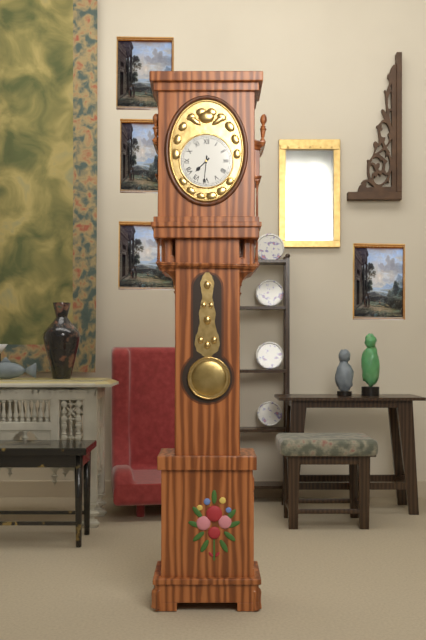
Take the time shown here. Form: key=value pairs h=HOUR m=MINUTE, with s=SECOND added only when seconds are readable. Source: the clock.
h=7 m=31
